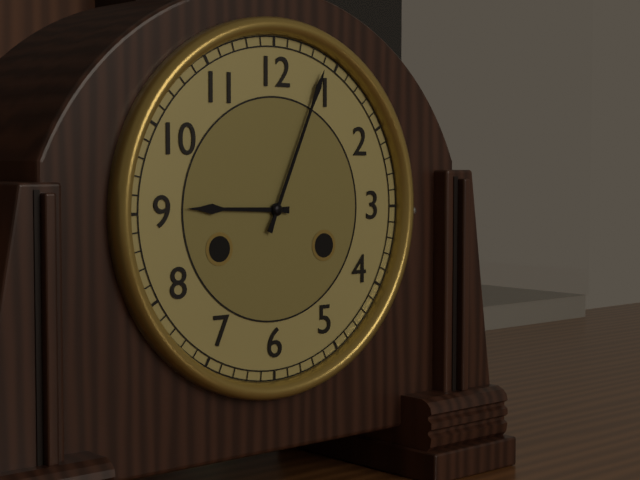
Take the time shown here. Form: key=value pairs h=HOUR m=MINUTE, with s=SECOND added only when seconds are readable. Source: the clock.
h=9 m=4
